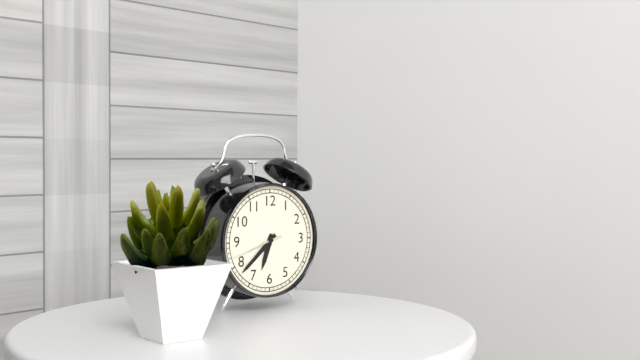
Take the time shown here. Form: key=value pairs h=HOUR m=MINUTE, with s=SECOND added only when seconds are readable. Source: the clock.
h=6 m=38 s=42
